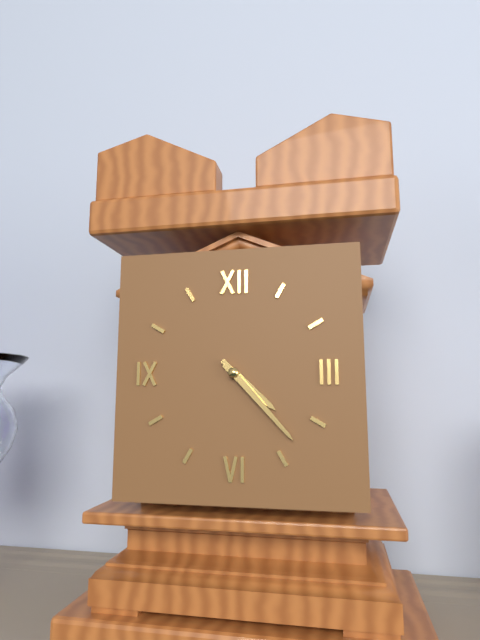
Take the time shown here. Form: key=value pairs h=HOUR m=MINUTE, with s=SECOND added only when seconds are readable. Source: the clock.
h=4 m=23
